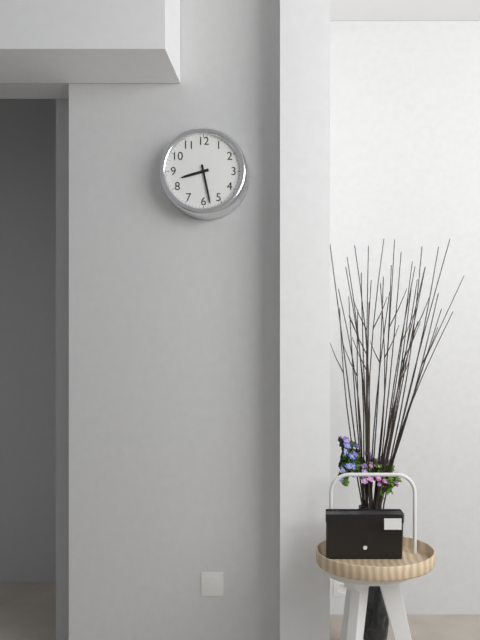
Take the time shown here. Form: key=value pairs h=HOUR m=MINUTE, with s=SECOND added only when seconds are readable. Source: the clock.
h=8 m=28
